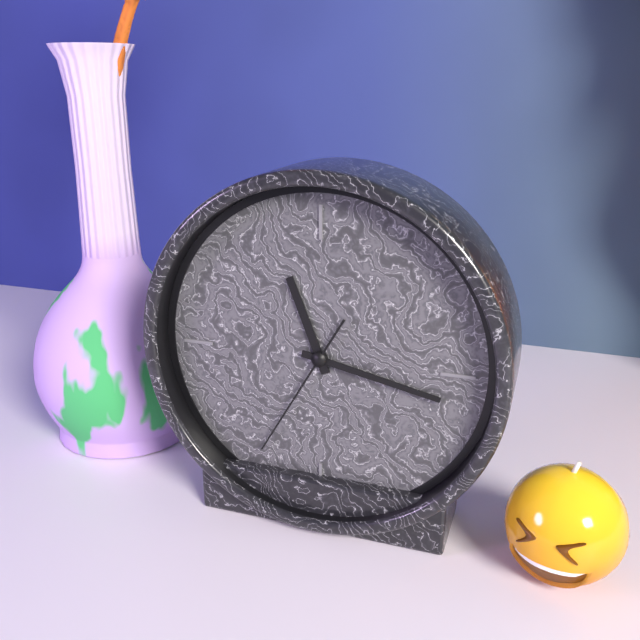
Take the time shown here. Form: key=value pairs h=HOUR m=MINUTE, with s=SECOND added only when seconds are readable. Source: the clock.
h=11 m=17 s=35
